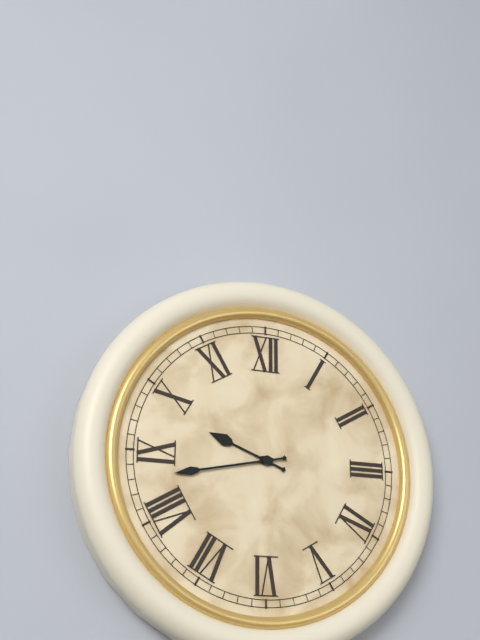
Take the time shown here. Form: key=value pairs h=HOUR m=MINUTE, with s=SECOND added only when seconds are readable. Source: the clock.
h=9 m=43
